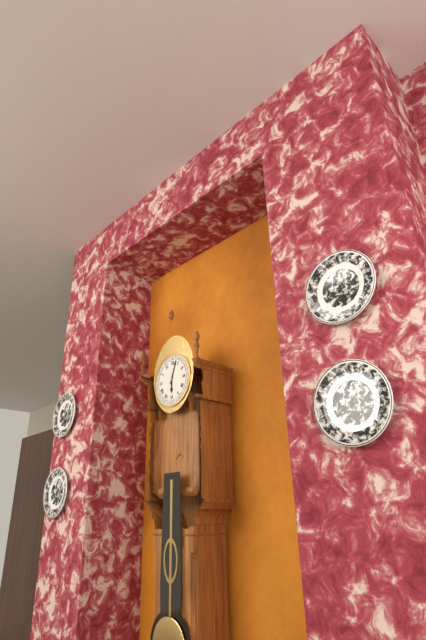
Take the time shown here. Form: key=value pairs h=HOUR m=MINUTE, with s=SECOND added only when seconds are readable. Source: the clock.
h=6 m=3
